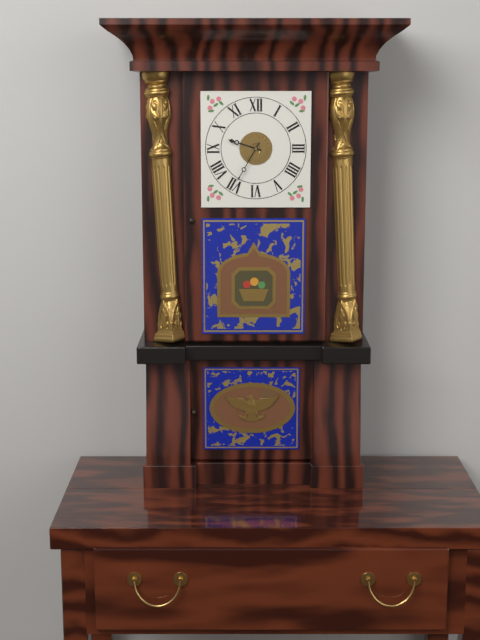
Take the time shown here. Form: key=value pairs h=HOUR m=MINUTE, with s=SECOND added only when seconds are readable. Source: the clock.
h=9 m=35
